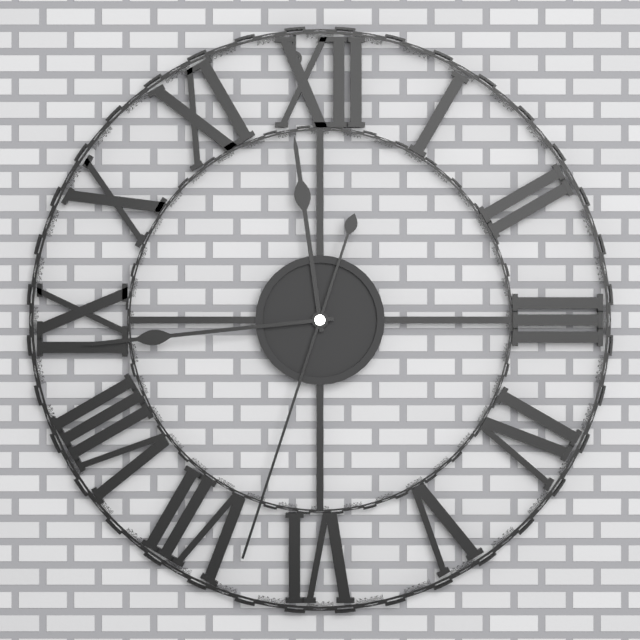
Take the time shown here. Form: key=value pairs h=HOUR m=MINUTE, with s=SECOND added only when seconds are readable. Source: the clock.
h=11 m=44 s=33
